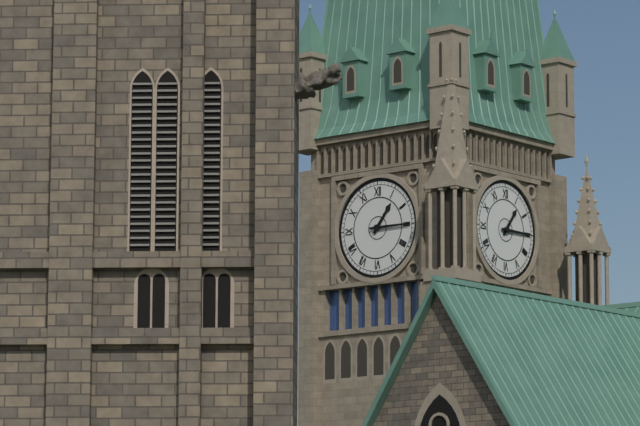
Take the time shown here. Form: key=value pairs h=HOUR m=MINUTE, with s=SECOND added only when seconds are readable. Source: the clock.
h=1 m=15
